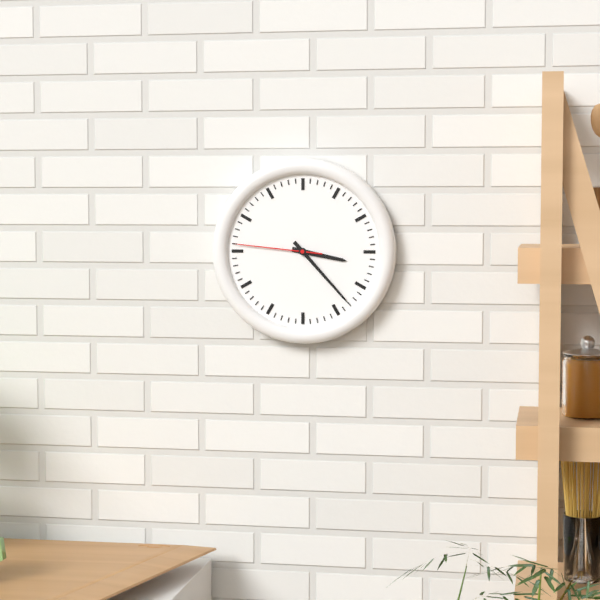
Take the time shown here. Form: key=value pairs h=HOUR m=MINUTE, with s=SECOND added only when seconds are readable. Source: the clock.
h=3 m=23 s=46
